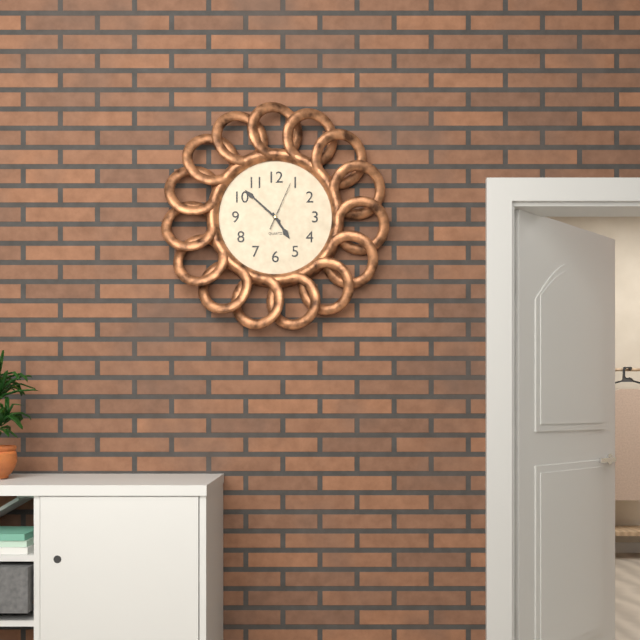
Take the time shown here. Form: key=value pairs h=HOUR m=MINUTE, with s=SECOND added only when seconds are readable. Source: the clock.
h=4 m=52
